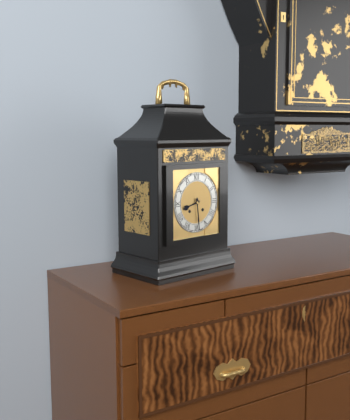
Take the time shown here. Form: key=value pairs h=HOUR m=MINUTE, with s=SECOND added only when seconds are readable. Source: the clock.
h=8 m=29
